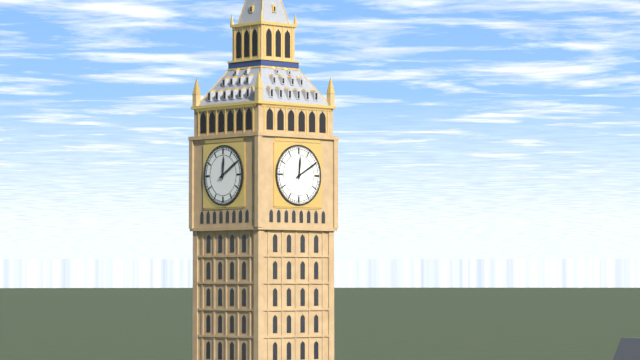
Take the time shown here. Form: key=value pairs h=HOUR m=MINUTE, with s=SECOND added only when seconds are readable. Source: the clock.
h=12 m=10
